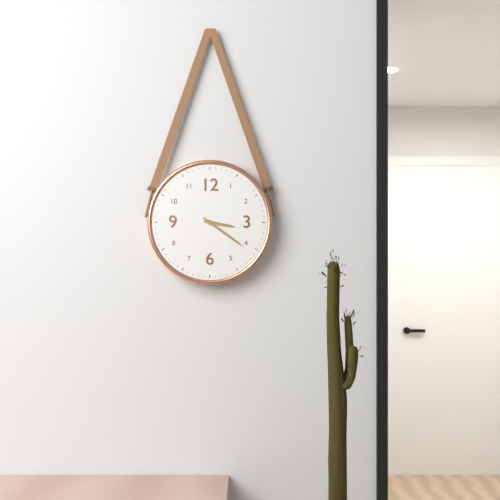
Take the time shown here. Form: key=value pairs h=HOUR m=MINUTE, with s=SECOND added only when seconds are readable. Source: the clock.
h=3 m=21
